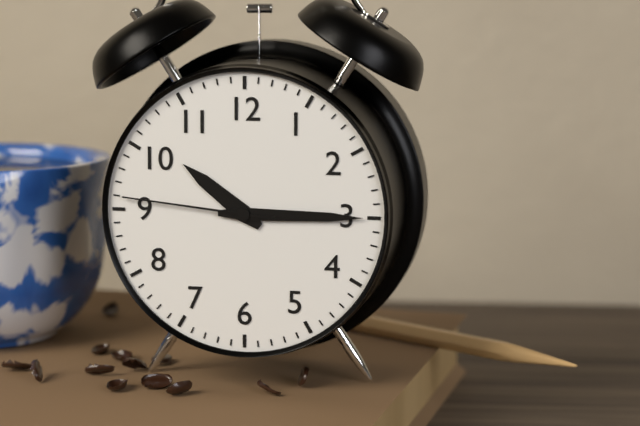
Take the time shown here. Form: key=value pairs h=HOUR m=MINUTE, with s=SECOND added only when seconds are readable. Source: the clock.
h=10 m=15 s=46
